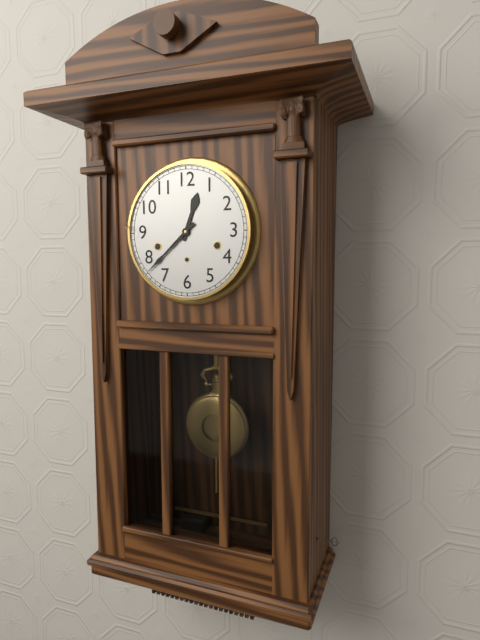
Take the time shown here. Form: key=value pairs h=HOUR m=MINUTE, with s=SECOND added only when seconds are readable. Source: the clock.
h=12 m=38
